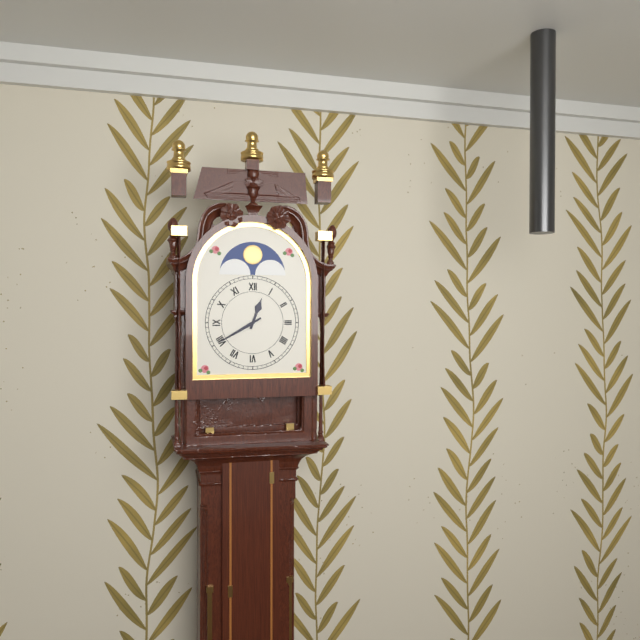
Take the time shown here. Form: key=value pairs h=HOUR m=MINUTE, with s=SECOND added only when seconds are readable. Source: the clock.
h=12 m=40
